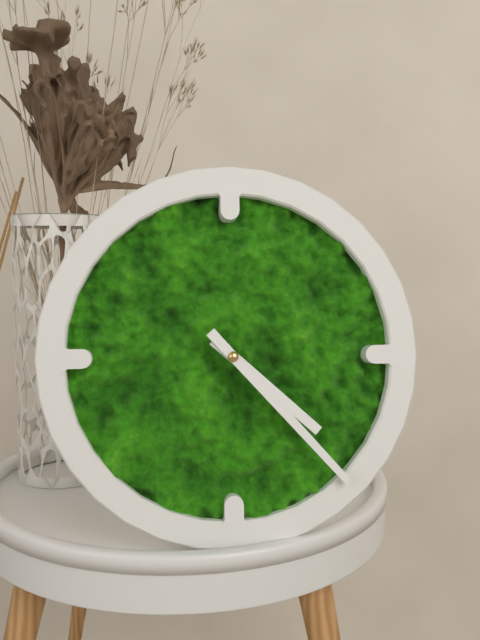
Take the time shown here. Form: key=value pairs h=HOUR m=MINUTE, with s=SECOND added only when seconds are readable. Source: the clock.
h=4 m=23
